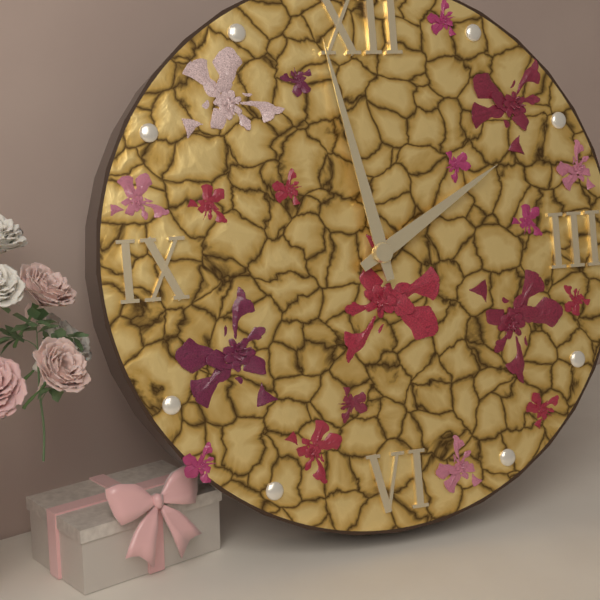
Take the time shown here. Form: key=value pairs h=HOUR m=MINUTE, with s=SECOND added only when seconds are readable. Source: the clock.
h=1 m=58
